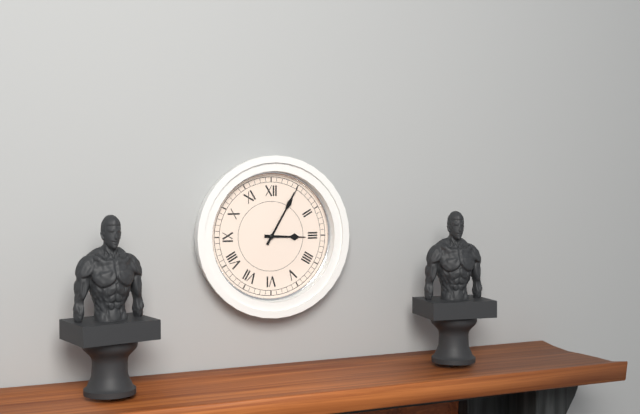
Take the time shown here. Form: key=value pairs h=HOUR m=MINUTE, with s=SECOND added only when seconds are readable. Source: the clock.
h=3 m=5
